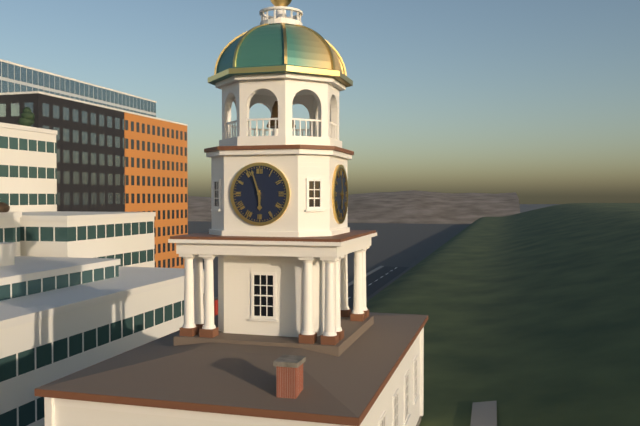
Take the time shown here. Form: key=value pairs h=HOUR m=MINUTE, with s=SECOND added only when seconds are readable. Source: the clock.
h=5 m=57
